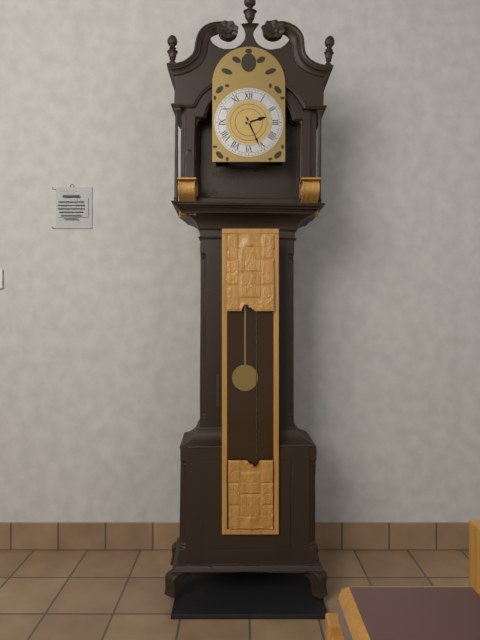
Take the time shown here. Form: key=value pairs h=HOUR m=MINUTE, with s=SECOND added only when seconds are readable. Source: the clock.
h=2 m=26
